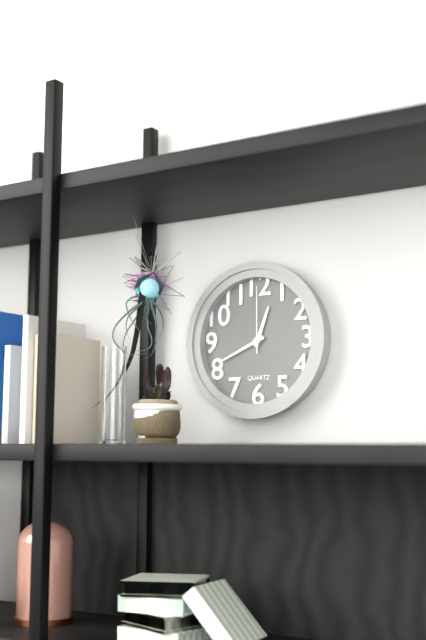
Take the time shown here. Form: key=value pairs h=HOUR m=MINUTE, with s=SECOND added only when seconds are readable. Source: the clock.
h=12 m=41 s=0
